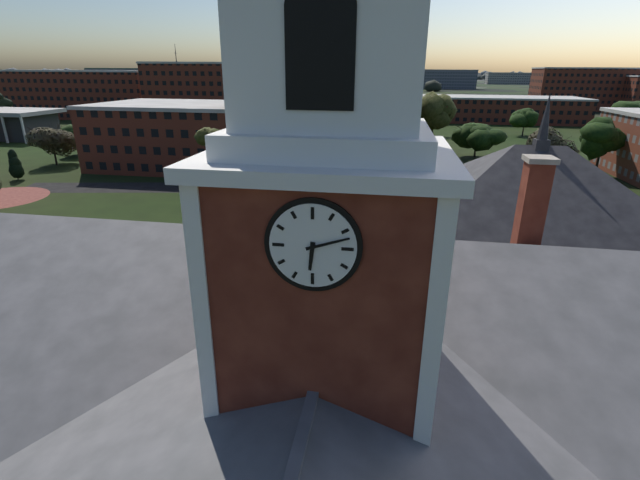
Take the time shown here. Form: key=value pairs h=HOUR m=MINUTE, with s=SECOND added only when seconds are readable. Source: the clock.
h=6 m=12
